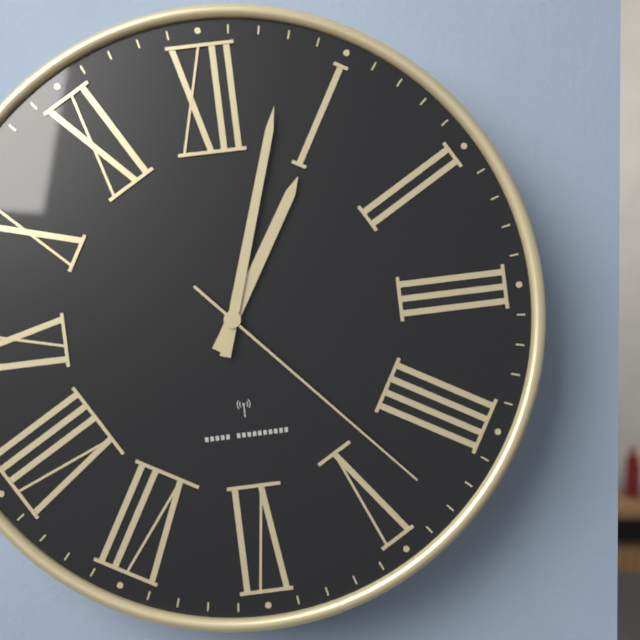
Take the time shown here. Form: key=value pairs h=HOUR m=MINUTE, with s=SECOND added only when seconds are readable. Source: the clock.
h=1 m=3 s=23
